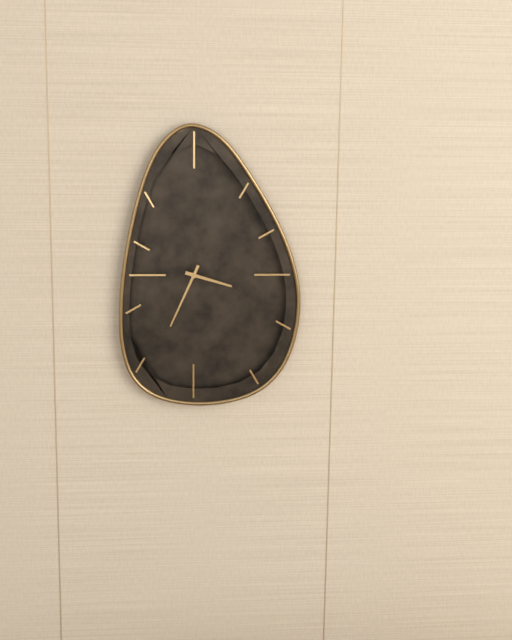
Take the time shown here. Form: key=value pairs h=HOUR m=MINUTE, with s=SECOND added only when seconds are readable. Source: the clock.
h=3 m=34
